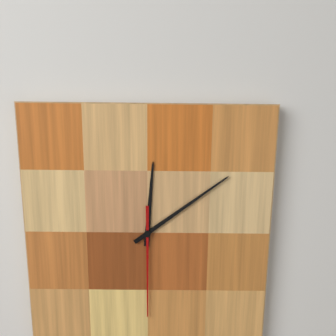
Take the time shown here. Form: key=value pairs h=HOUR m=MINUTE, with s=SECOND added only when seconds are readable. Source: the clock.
h=12 m=9 s=30
